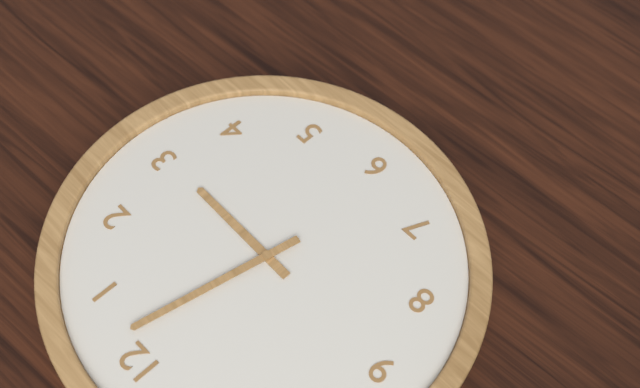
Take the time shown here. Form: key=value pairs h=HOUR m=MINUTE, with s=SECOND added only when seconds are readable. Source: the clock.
h=3 m=2
